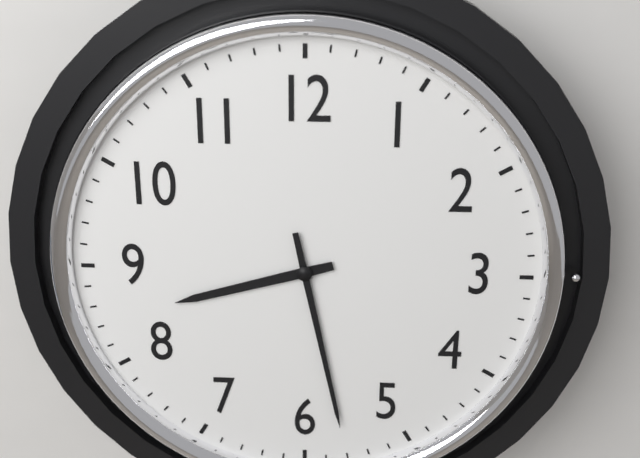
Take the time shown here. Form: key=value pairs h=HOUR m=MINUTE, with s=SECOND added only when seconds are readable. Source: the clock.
h=8 m=28
